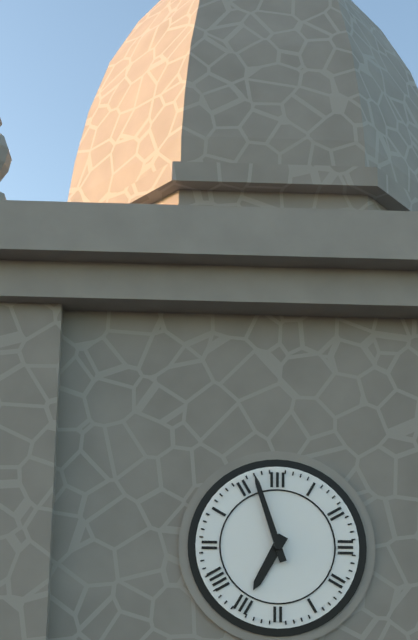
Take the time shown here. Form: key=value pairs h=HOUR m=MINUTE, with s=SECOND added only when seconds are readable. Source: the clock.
h=6 m=57
